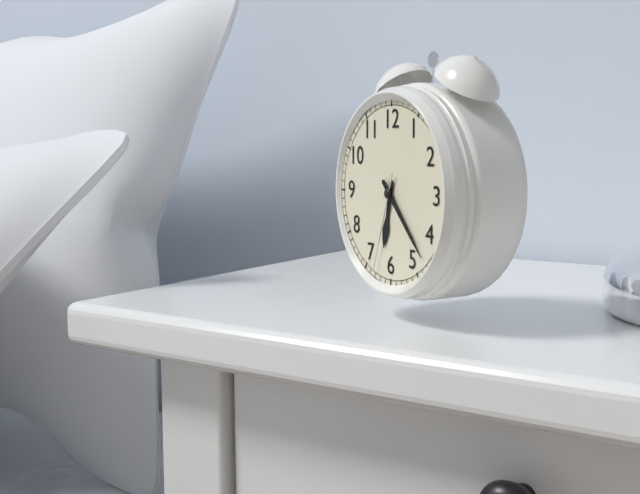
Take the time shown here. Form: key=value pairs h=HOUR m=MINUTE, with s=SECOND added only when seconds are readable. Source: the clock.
h=6 m=23 s=33
